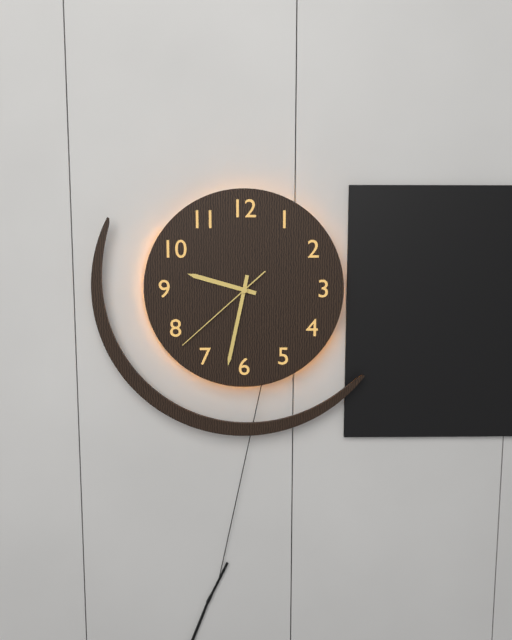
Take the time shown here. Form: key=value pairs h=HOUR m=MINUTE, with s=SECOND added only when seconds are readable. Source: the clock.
h=9 m=32 s=38
